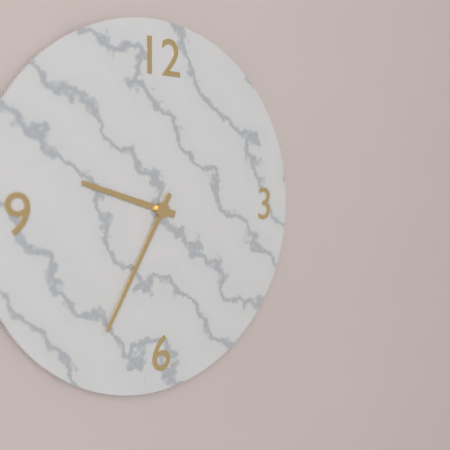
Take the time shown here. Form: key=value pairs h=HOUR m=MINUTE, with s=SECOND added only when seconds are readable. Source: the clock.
h=9 m=35
